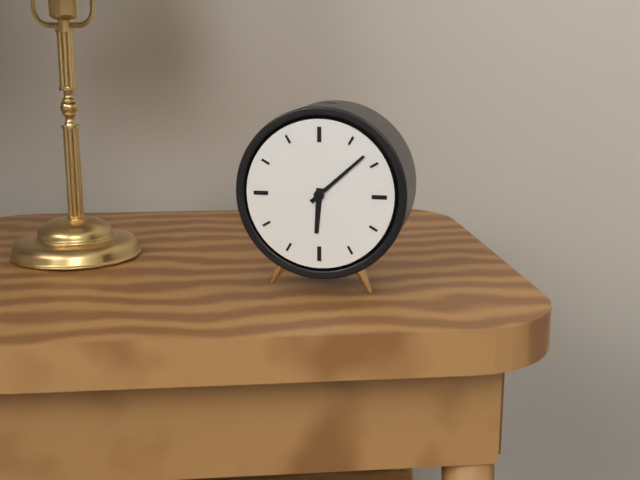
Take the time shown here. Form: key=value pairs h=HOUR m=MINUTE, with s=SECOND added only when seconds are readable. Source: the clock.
h=6 m=8
